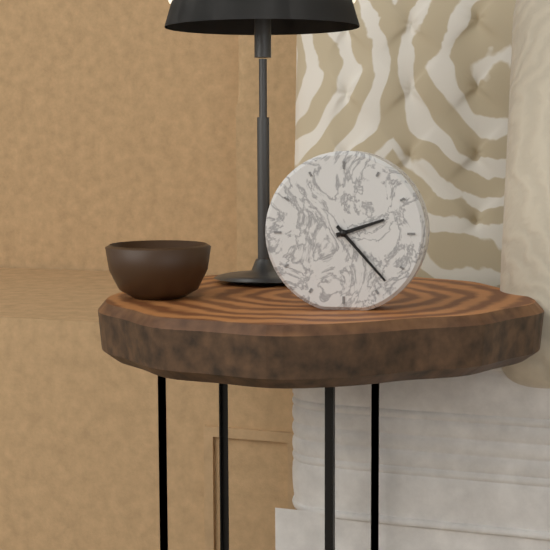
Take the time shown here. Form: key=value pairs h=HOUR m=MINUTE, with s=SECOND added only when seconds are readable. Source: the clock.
h=2 m=23
